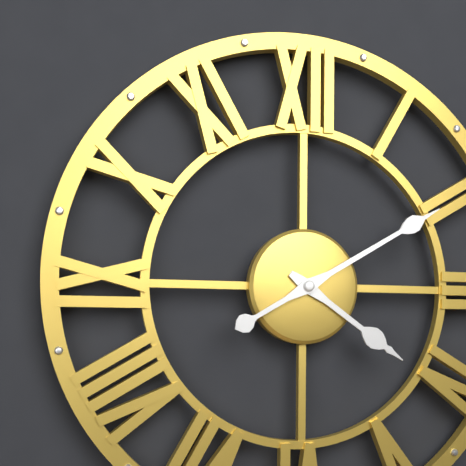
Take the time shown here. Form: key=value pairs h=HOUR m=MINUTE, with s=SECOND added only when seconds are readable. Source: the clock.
h=4 m=10
